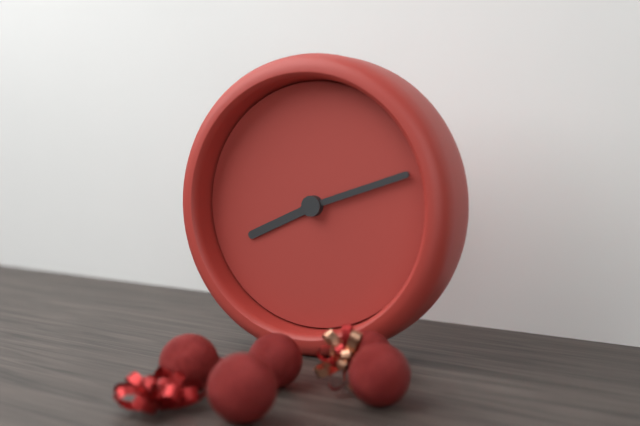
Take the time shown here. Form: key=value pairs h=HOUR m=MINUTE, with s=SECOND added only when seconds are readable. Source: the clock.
h=8 m=12
